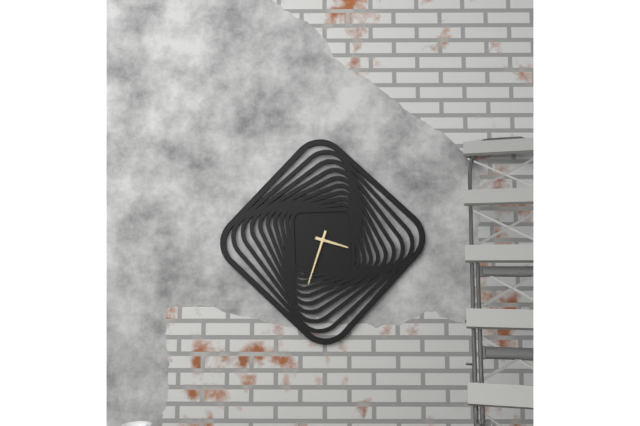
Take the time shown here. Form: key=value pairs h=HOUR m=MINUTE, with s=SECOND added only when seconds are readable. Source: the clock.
h=3 m=33
